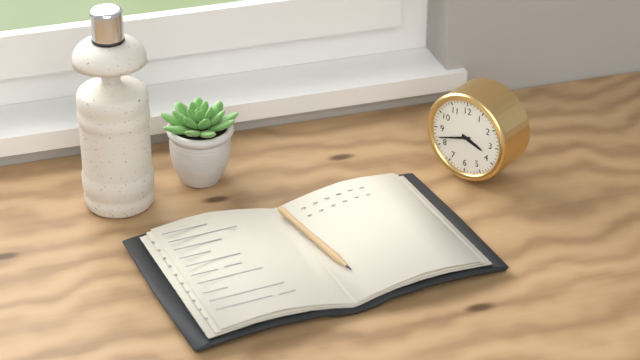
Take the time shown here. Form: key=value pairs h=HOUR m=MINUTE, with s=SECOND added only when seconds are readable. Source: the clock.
h=3 m=42
